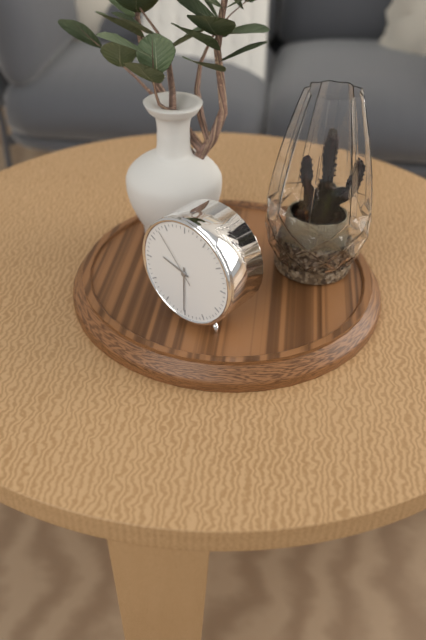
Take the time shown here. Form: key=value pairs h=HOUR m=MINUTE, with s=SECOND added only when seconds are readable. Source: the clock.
h=9 m=30 s=53
